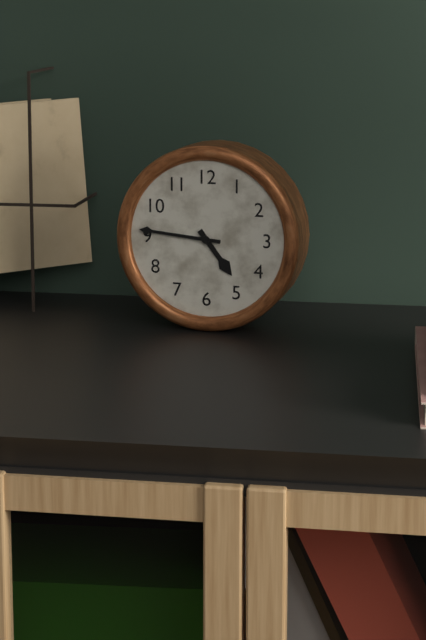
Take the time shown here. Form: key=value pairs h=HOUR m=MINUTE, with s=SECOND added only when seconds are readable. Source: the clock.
h=4 m=46
